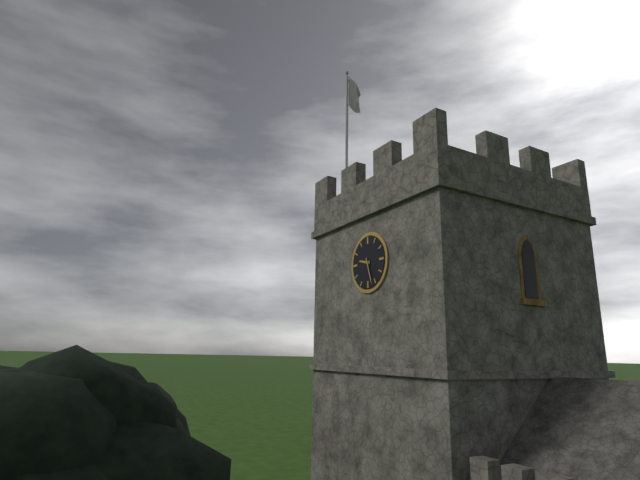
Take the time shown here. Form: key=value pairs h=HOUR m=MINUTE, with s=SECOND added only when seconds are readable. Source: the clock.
h=9 m=27
